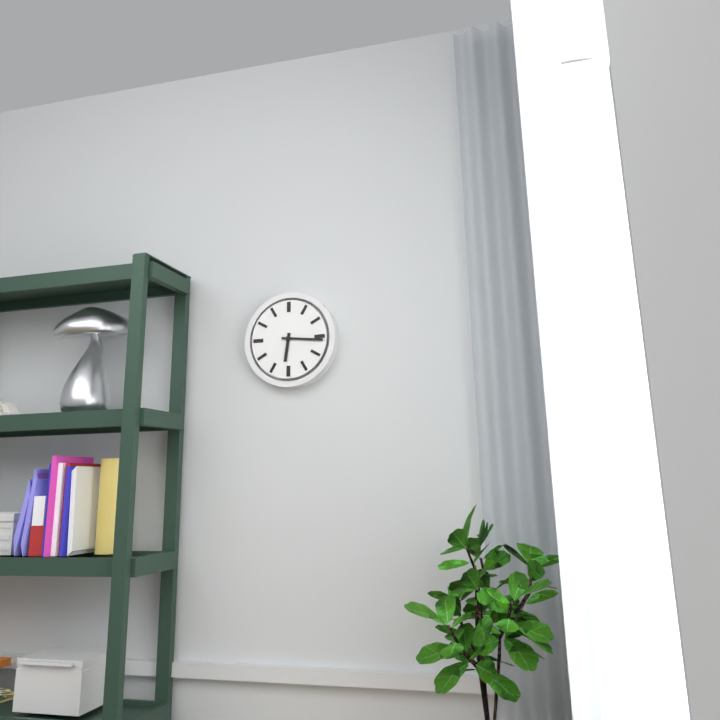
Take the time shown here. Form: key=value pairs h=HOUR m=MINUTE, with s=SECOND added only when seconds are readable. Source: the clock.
h=6 m=16
